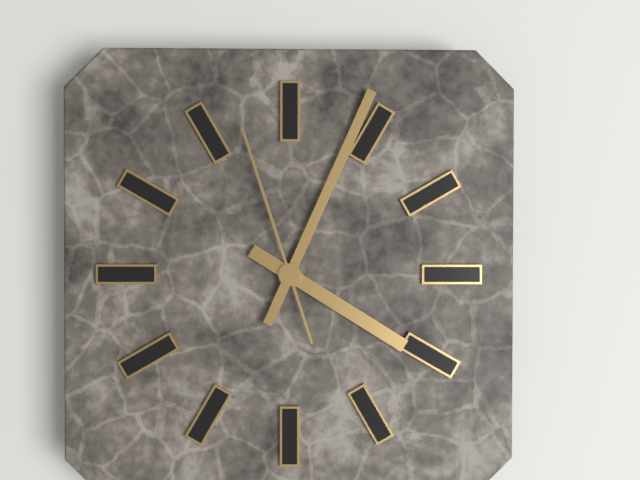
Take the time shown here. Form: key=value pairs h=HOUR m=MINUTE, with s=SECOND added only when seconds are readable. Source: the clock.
h=4 m=4 s=57
